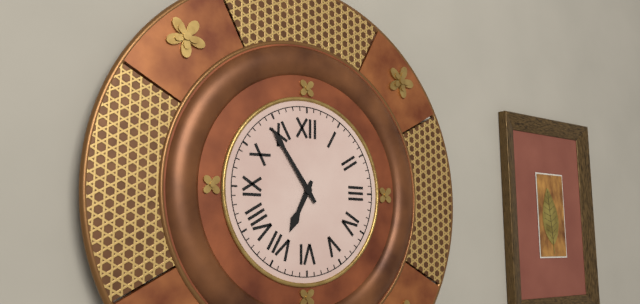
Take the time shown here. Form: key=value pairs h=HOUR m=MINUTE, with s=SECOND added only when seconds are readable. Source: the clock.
h=6 m=54
